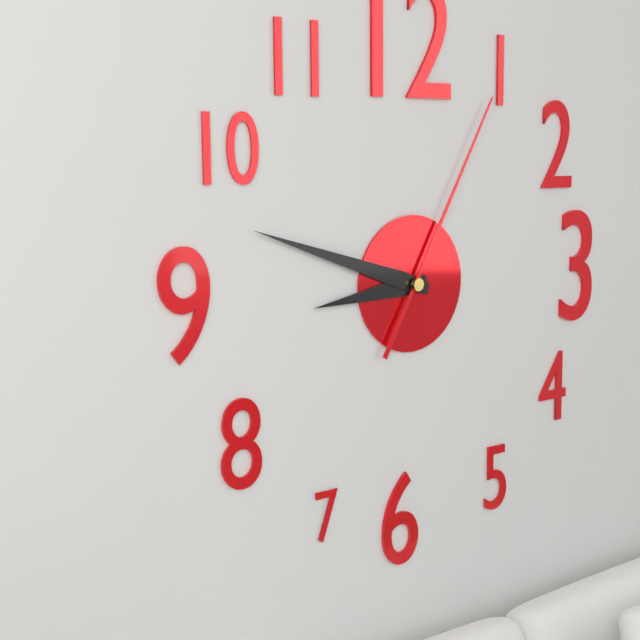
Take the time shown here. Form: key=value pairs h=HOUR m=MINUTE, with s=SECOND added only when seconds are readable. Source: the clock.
h=8 m=48 s=5
